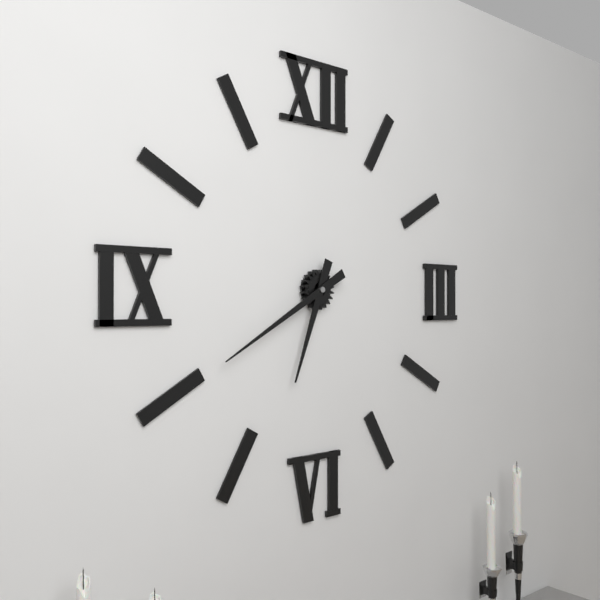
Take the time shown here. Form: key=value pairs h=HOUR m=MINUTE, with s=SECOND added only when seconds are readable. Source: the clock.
h=6 m=40
